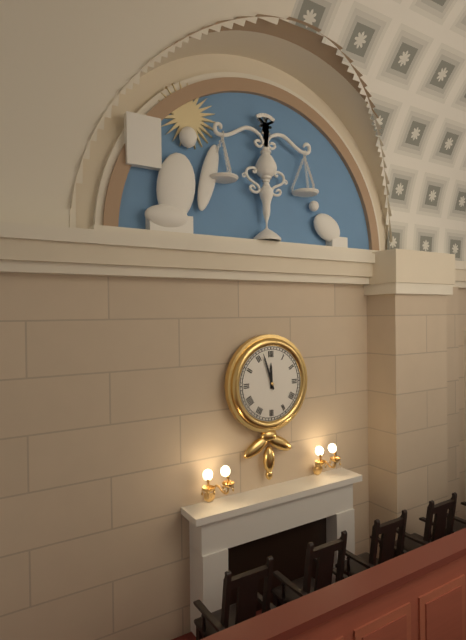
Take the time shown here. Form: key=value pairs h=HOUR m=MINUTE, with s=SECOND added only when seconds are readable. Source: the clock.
h=11 m=57
